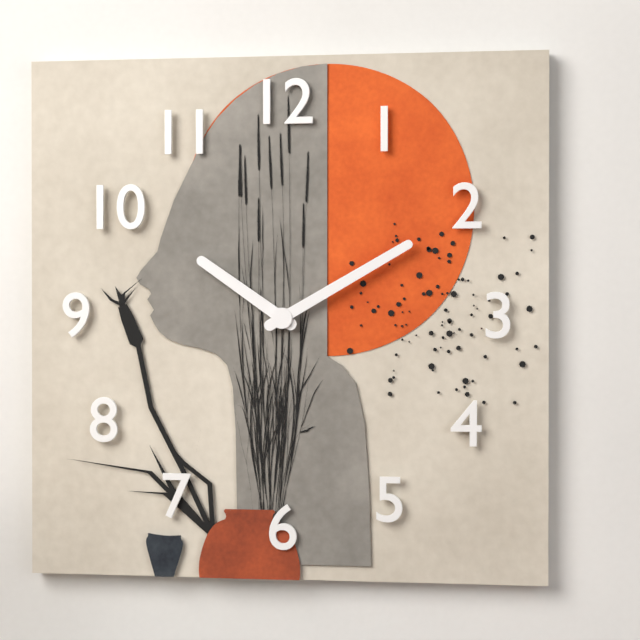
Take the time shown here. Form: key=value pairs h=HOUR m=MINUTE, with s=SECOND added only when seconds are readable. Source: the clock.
h=10 m=10
